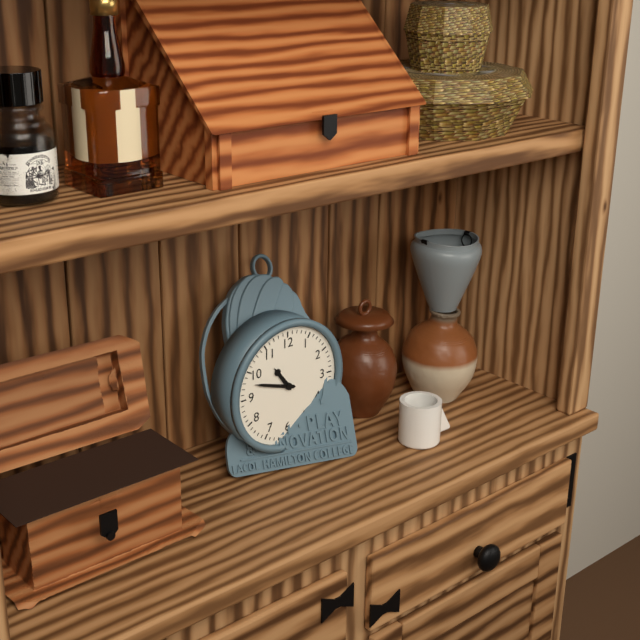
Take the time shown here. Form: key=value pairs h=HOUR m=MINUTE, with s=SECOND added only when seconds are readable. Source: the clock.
h=10 m=48
